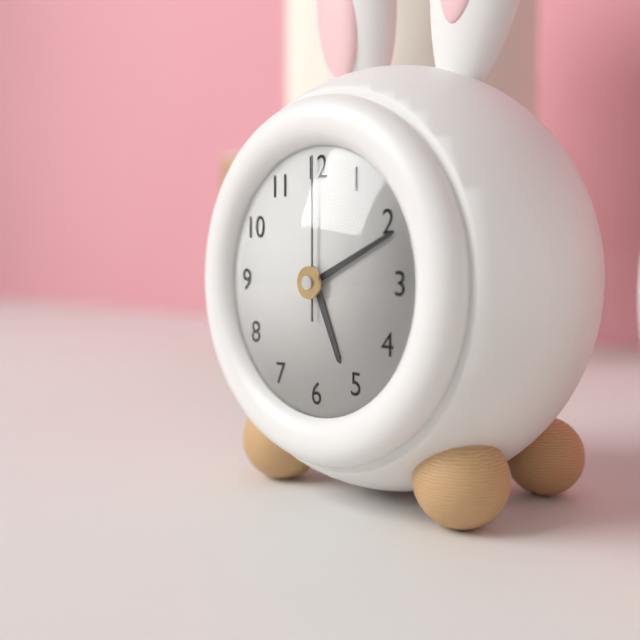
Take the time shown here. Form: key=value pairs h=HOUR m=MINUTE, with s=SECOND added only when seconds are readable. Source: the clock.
h=5 m=11 s=0
